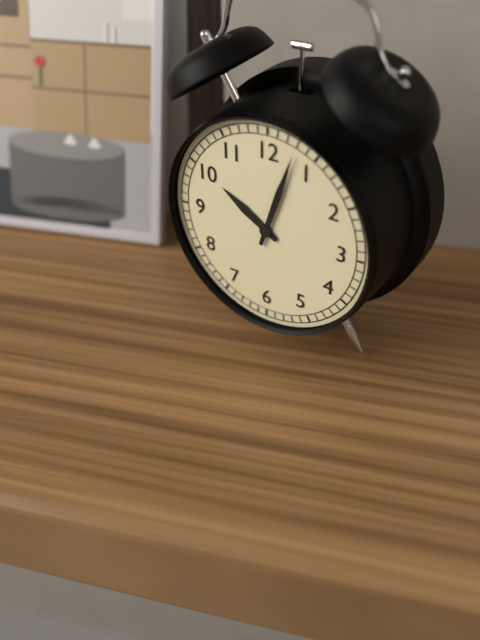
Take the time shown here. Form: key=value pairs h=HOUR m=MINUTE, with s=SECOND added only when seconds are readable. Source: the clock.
h=10 m=3
